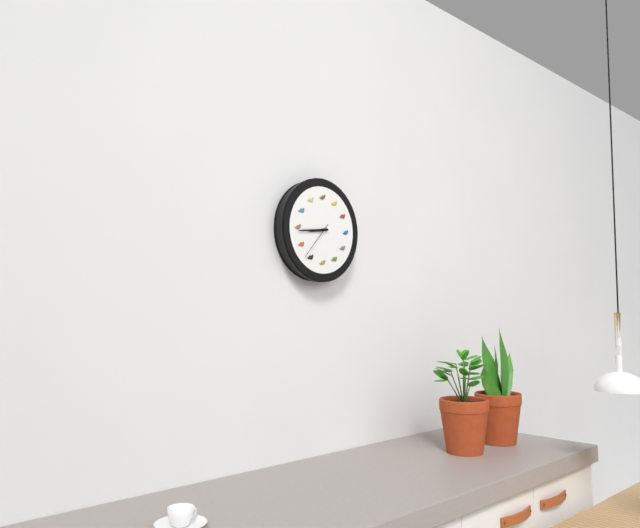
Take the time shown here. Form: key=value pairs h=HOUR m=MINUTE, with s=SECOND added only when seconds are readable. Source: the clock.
h=8 m=44
